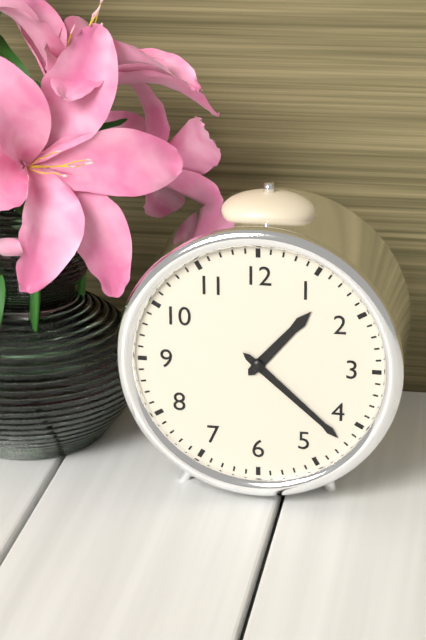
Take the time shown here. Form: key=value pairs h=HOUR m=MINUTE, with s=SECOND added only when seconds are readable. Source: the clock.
h=1 m=22
